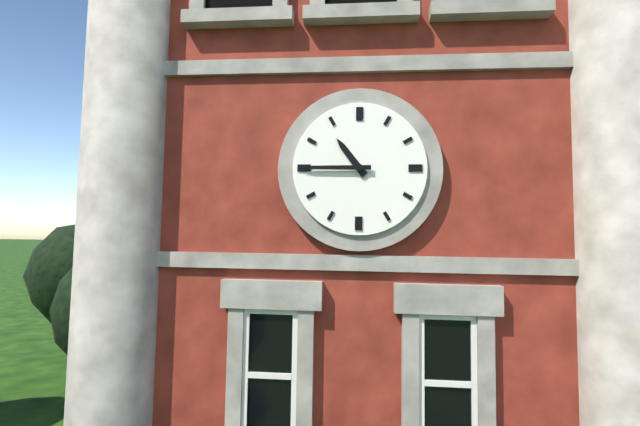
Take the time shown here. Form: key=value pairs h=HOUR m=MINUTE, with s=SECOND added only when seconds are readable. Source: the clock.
h=10 m=45
